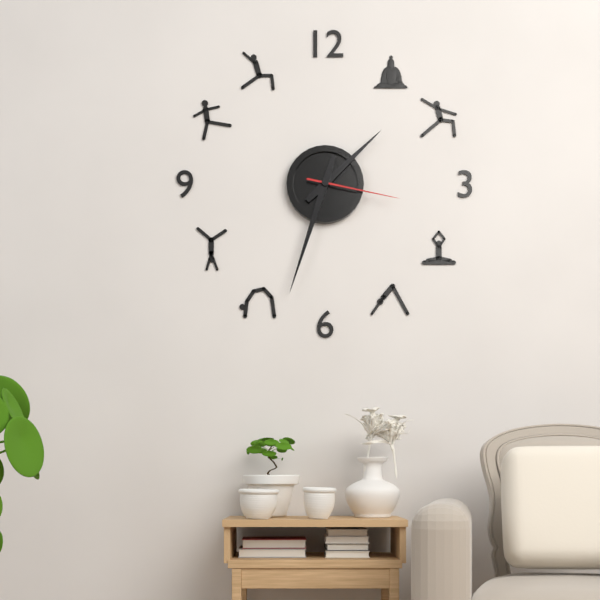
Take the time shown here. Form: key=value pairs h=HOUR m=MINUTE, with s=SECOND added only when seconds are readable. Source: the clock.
h=1 m=33 s=17
